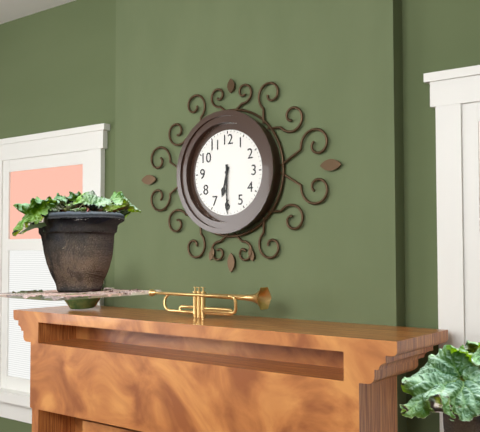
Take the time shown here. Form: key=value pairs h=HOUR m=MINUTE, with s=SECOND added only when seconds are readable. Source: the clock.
h=6 m=30
